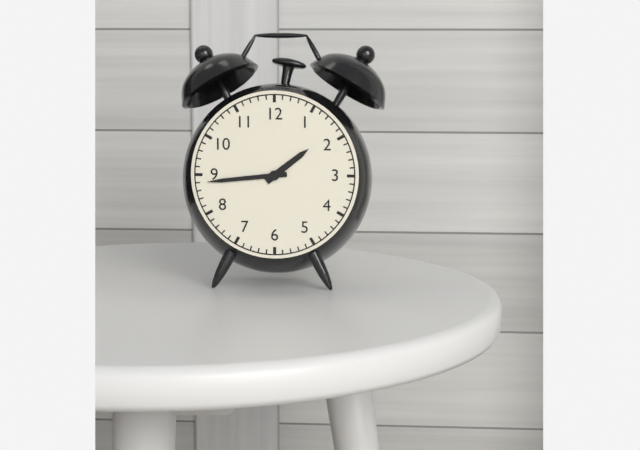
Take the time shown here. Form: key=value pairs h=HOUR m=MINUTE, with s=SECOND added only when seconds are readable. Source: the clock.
h=1 m=44
